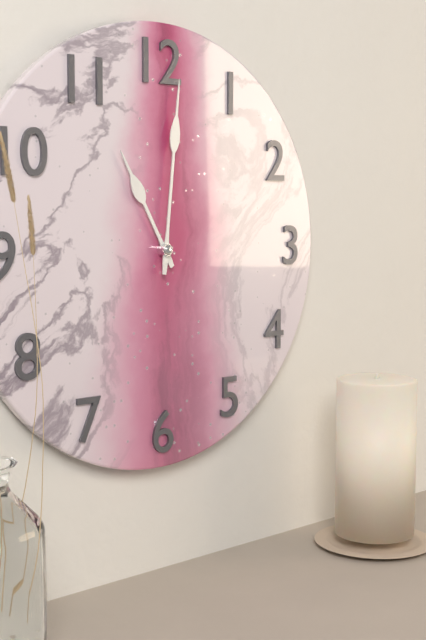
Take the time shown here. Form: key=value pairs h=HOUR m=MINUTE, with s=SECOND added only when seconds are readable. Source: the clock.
h=11 m=1
